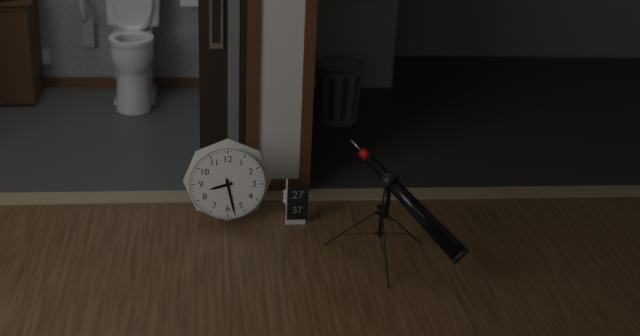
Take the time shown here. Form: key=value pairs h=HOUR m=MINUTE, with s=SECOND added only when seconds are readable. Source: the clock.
h=8 m=28
